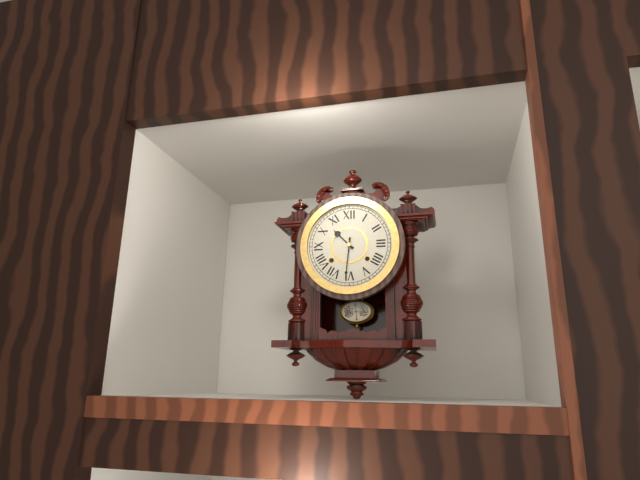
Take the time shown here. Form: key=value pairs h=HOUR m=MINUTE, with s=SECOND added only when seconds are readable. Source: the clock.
h=10 m=31
